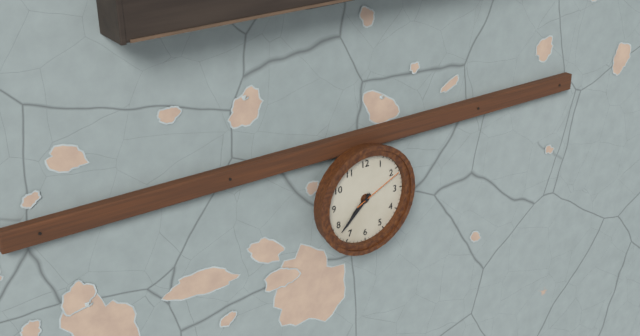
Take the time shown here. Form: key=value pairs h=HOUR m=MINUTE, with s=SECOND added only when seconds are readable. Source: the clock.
h=7 m=38 s=11
